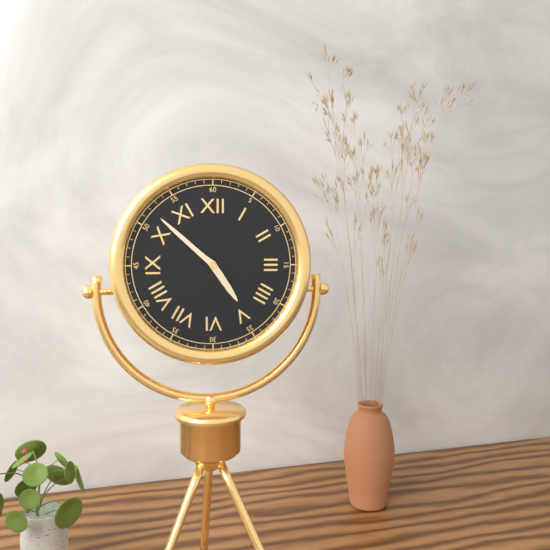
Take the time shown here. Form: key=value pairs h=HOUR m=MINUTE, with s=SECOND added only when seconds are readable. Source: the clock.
h=4 m=52
